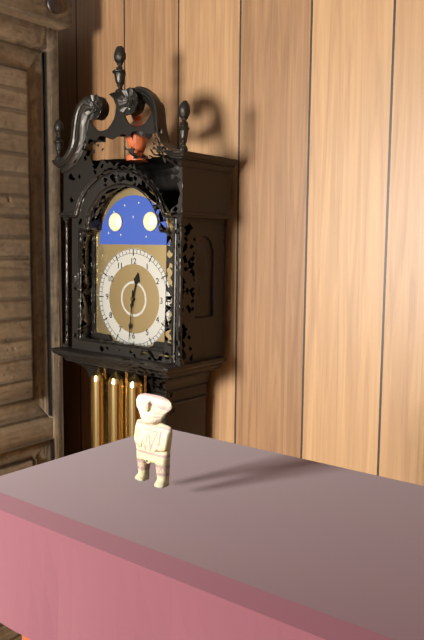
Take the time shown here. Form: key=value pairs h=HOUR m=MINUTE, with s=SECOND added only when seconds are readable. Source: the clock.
h=12 m=31
